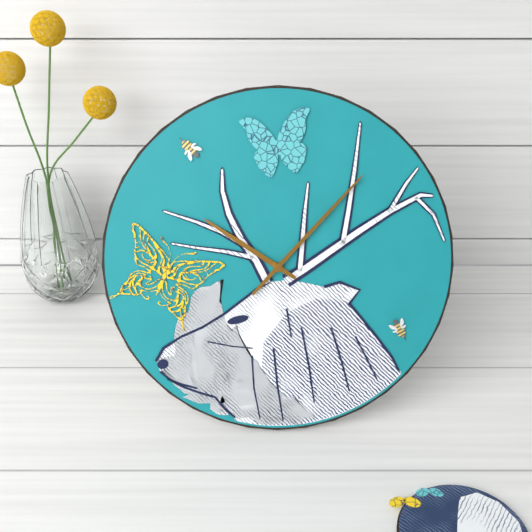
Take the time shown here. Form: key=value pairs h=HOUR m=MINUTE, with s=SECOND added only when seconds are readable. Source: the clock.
h=10 m=7
